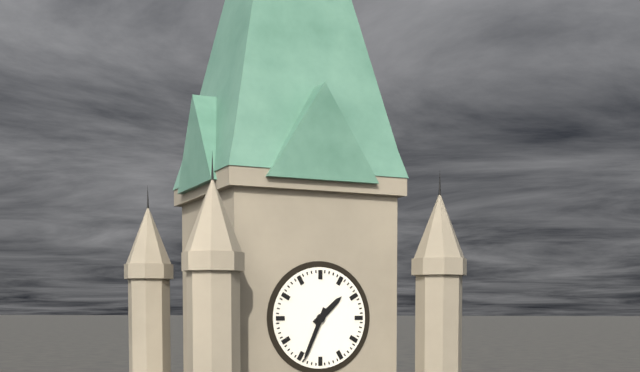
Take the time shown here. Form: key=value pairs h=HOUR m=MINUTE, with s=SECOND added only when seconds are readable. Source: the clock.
h=1 m=34
